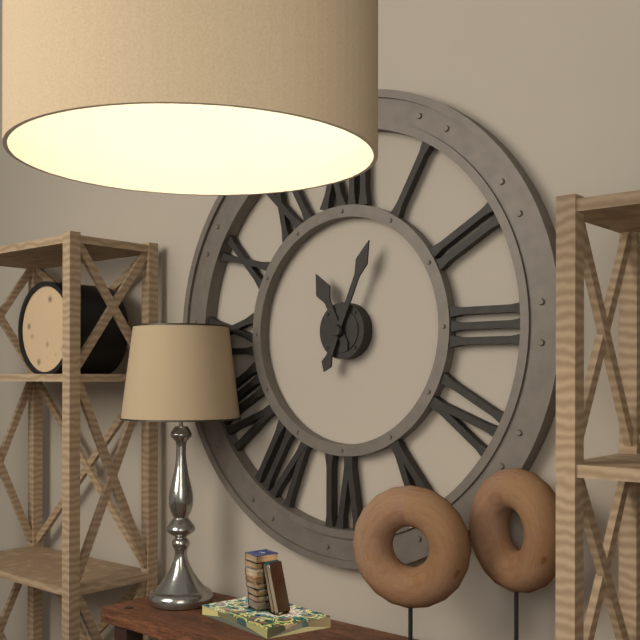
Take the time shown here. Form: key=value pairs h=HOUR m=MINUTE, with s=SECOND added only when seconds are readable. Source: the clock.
h=11 m=4
